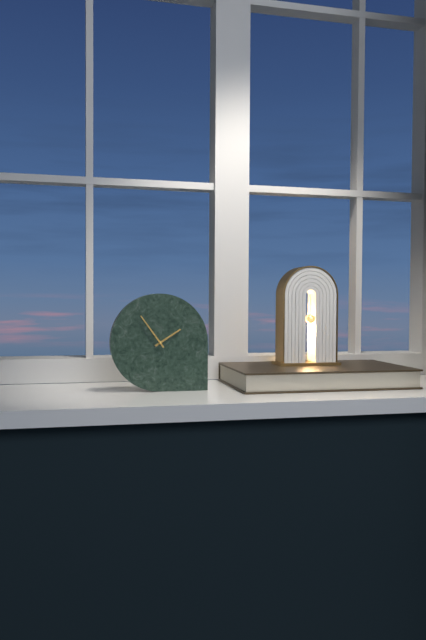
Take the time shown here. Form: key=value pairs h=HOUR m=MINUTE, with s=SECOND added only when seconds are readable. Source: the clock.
h=1 m=54
